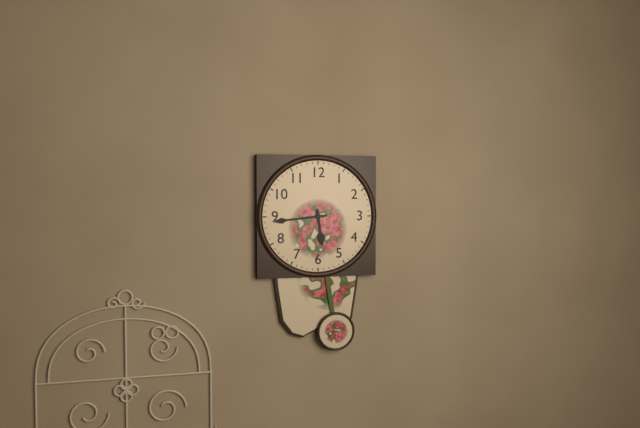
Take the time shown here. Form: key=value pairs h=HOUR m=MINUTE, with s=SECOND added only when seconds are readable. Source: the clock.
h=5 m=44
